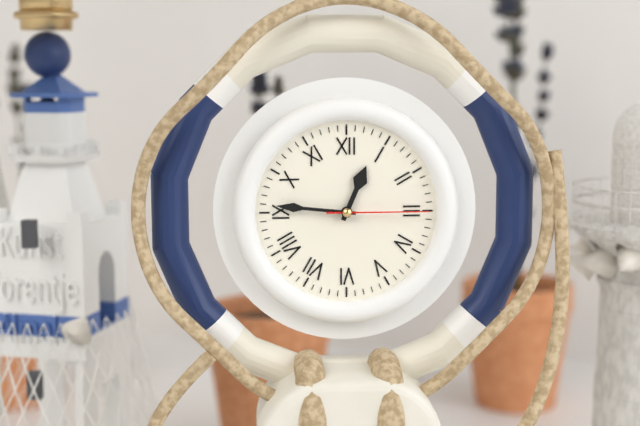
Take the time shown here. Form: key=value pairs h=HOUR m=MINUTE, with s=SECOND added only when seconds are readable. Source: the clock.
h=12 m=46 s=15
